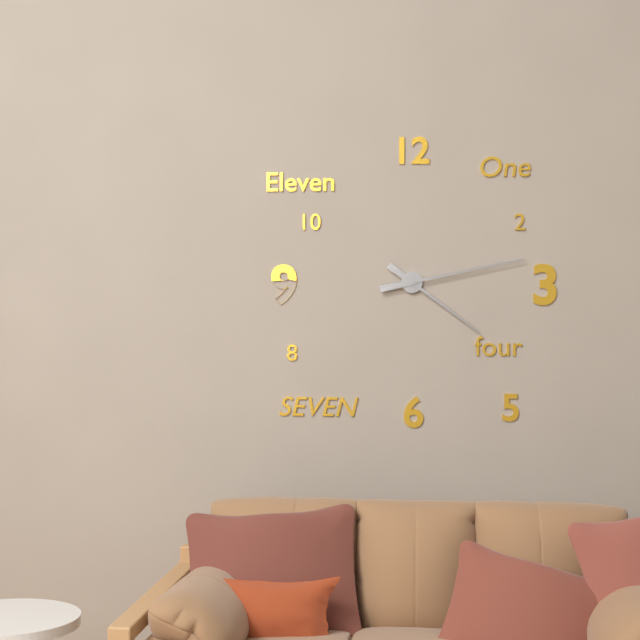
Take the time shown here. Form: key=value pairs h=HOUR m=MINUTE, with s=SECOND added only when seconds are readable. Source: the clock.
h=4 m=13
